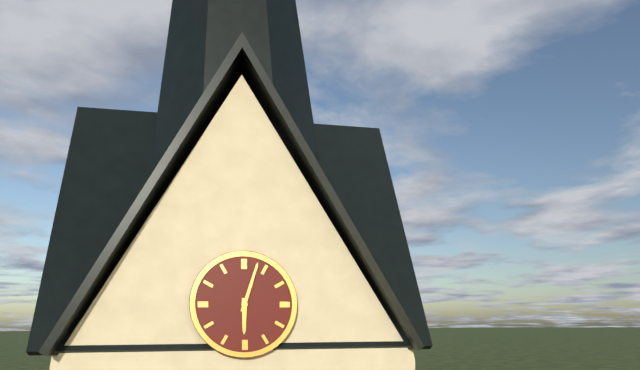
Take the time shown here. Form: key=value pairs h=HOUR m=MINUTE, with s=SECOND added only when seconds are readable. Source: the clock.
h=6 m=3
